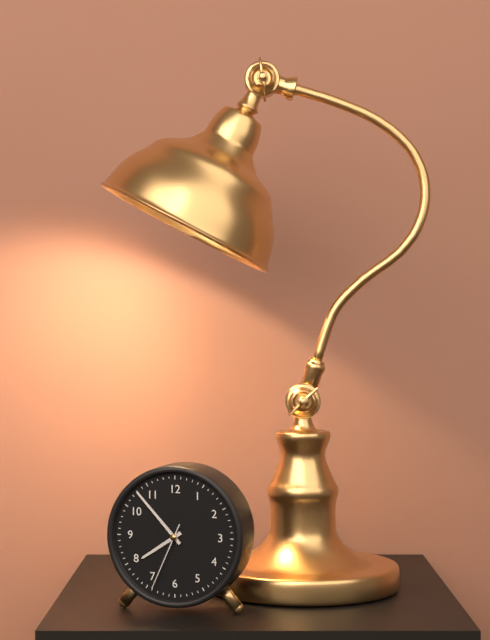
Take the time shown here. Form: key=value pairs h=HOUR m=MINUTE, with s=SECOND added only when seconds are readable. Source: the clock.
h=7 m=53 s=34
